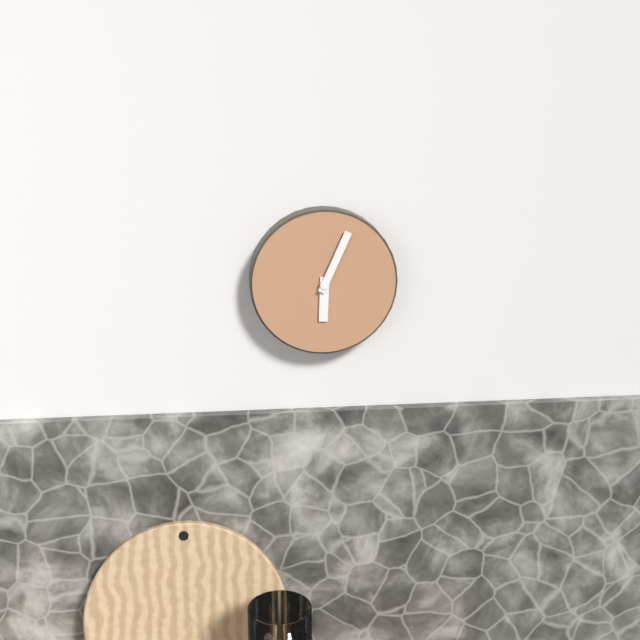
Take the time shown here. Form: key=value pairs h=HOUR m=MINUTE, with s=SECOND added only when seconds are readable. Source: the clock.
h=6 m=4
